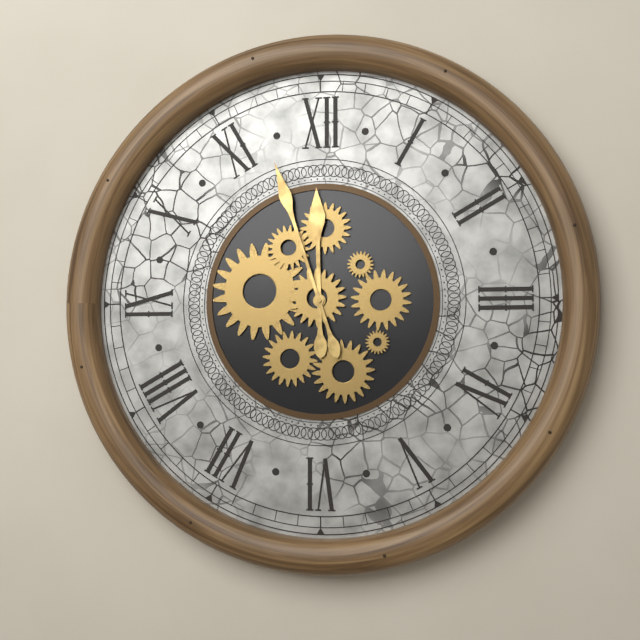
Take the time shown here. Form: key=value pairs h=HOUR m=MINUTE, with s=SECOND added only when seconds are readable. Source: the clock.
h=11 m=57
